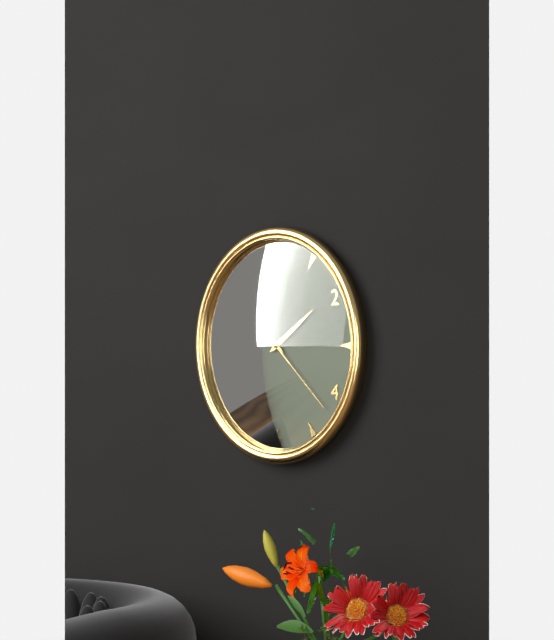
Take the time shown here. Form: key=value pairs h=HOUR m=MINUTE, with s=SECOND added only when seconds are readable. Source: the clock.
h=1 m=51 s=22
